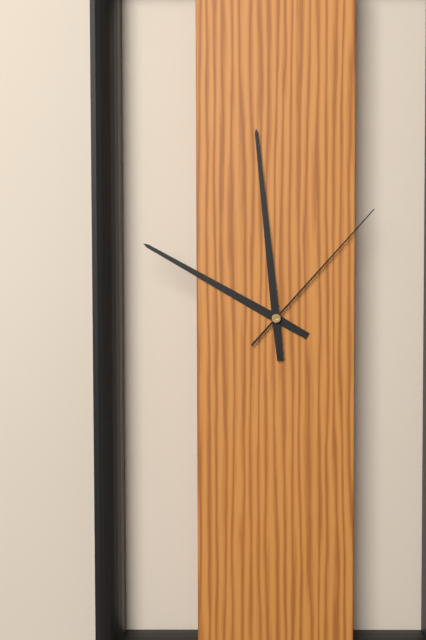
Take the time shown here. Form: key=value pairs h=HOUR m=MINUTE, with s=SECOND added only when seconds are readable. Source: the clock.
h=9 m=59 s=7
